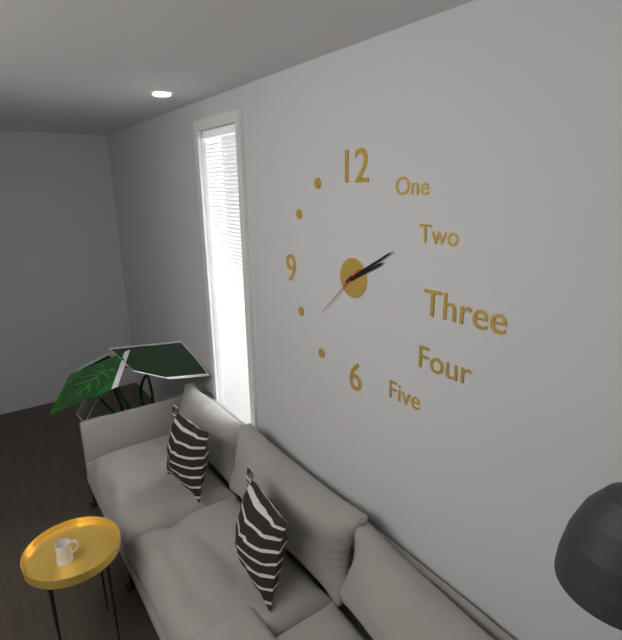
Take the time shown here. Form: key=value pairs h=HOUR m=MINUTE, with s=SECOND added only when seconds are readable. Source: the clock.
h=2 m=10 s=38
